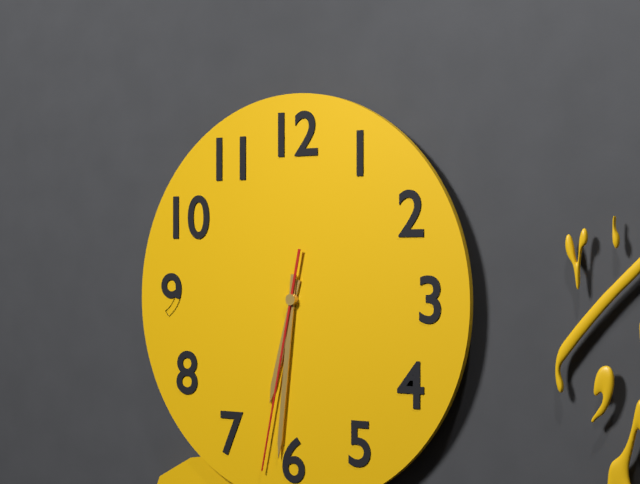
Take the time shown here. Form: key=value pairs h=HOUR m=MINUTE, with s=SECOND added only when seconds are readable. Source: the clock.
h=6 m=31 s=32
